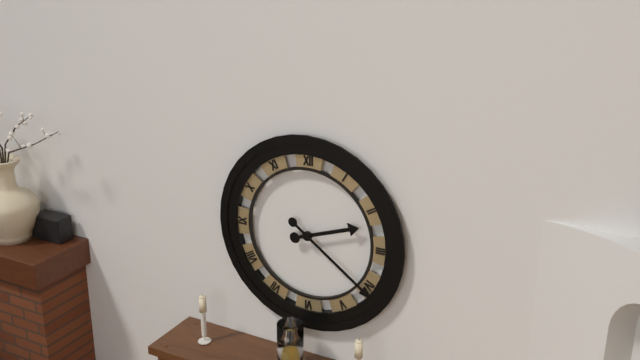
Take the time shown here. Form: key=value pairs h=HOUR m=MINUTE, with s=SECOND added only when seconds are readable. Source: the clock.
h=2 m=21
